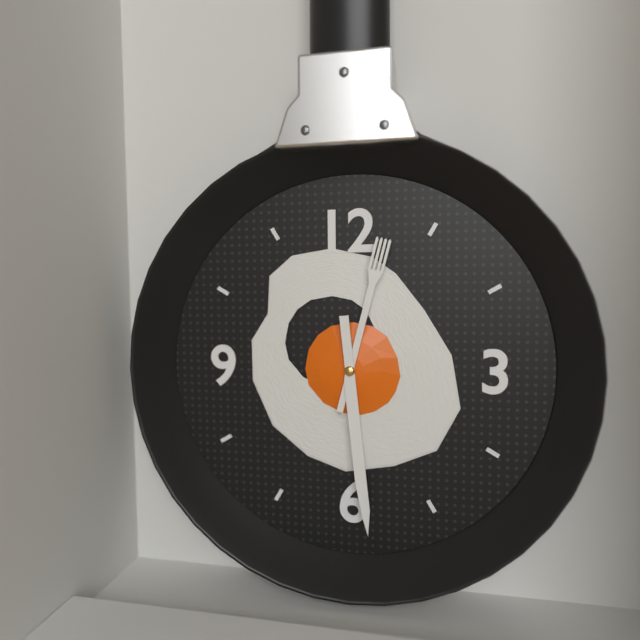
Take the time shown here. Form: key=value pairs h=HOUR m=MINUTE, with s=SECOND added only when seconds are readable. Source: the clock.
h=12 m=29
